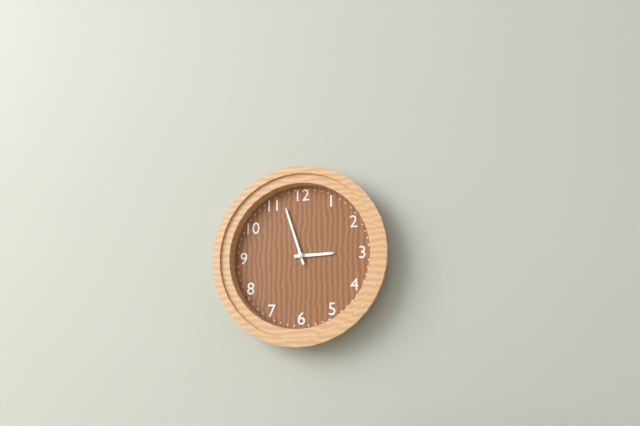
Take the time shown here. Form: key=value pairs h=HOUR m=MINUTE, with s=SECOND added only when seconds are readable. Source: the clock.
h=2 m=57
